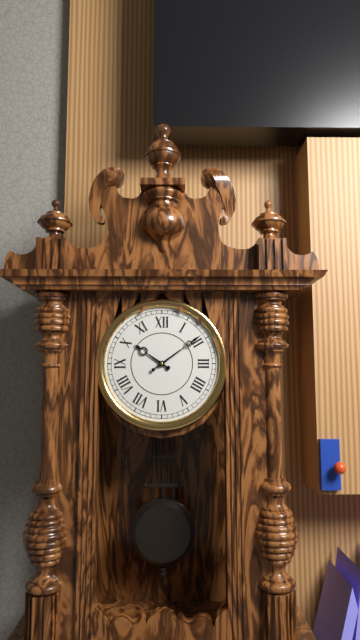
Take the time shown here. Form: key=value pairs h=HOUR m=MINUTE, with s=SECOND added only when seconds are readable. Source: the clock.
h=10 m=9
